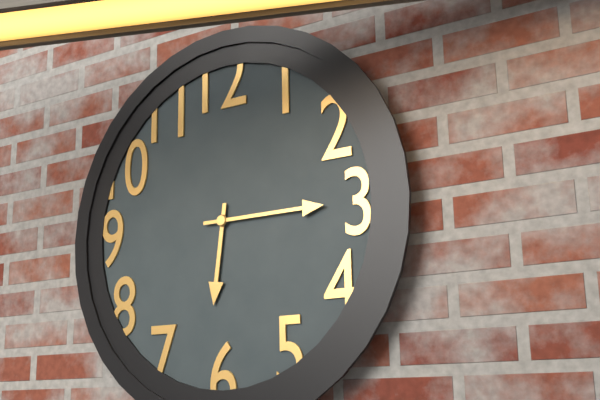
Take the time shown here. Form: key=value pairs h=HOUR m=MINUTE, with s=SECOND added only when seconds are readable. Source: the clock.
h=6 m=15
